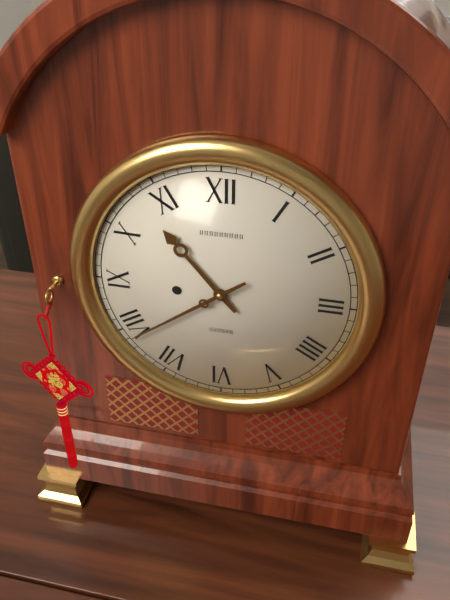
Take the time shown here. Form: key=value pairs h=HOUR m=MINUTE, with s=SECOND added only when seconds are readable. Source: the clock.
h=10 m=39
